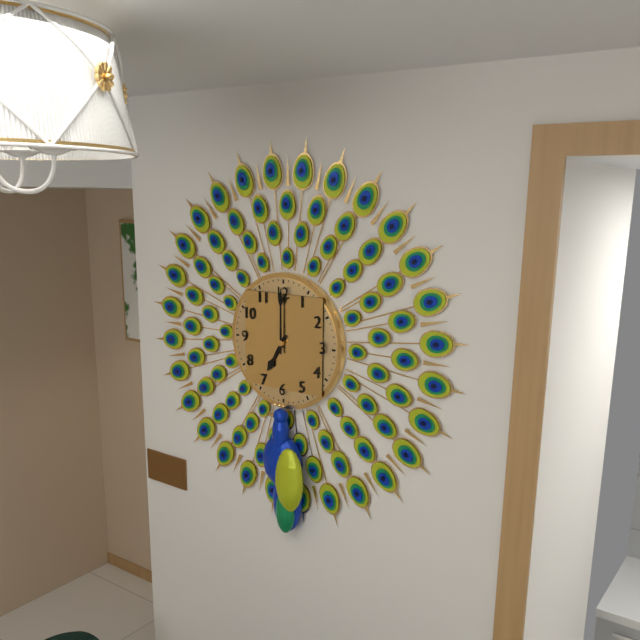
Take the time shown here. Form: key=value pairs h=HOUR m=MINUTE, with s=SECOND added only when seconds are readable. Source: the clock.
h=7 m=0
